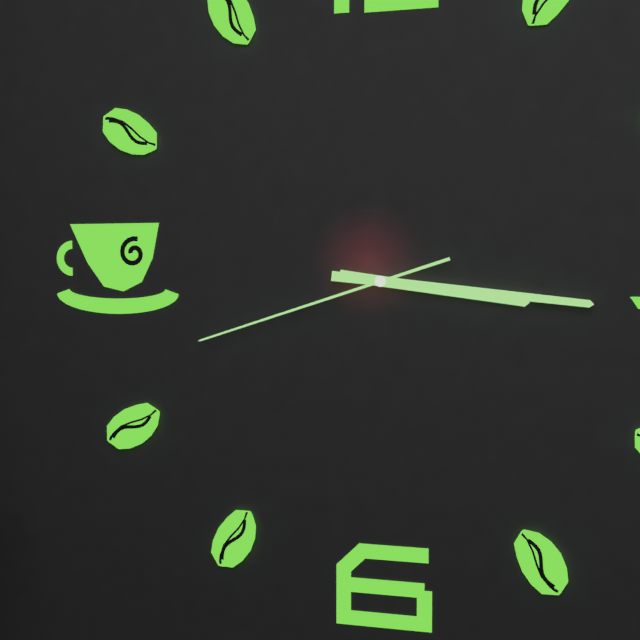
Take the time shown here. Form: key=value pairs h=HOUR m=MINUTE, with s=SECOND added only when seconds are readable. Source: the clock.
h=3 m=16 s=42
